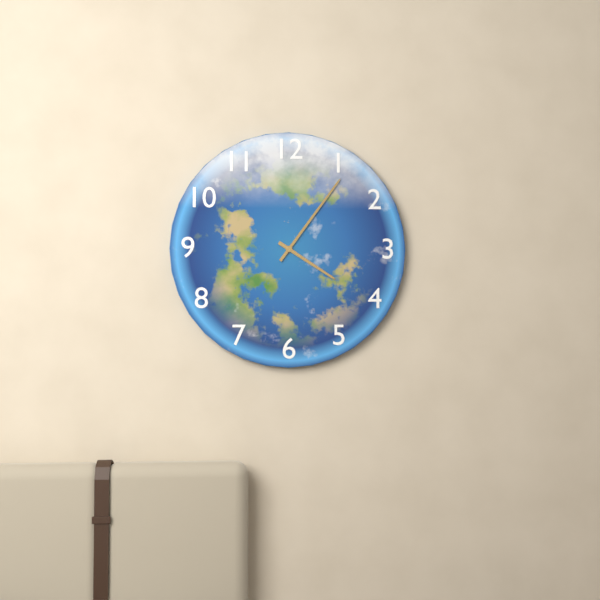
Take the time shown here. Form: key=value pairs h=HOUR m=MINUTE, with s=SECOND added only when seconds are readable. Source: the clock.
h=4 m=6
